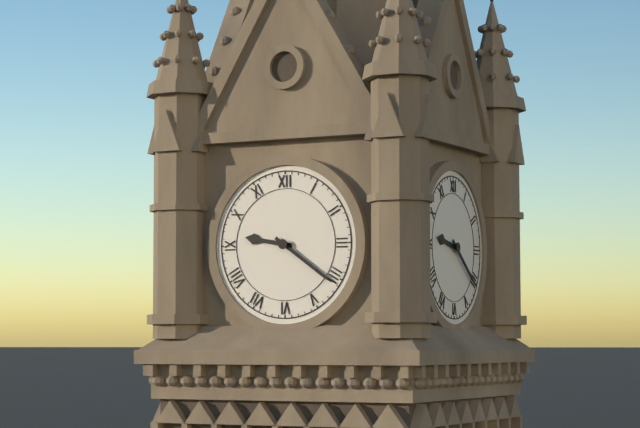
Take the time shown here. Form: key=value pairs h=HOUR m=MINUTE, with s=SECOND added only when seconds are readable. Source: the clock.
h=9 m=21
